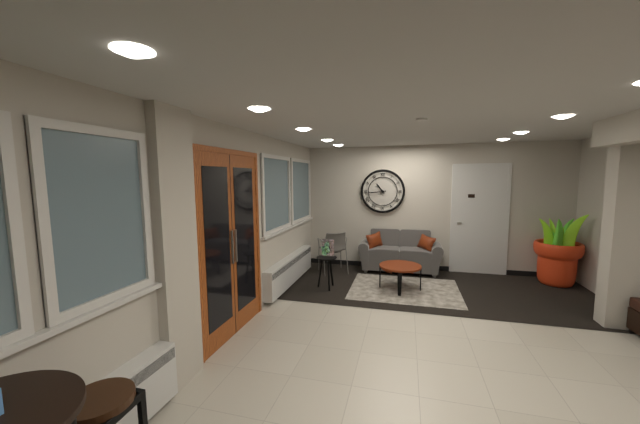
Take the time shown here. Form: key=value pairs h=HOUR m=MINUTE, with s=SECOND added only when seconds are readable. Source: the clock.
h=10 m=44
